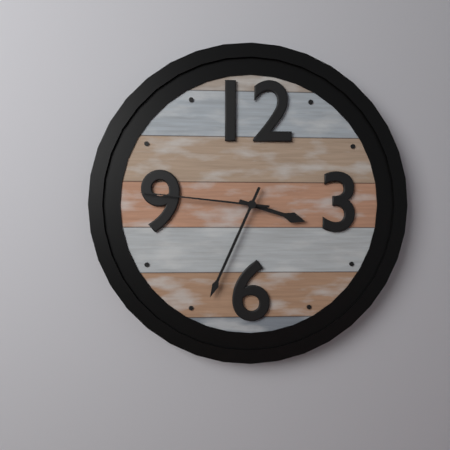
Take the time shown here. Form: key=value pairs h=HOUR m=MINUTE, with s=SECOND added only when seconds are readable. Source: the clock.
h=3 m=34 s=46
